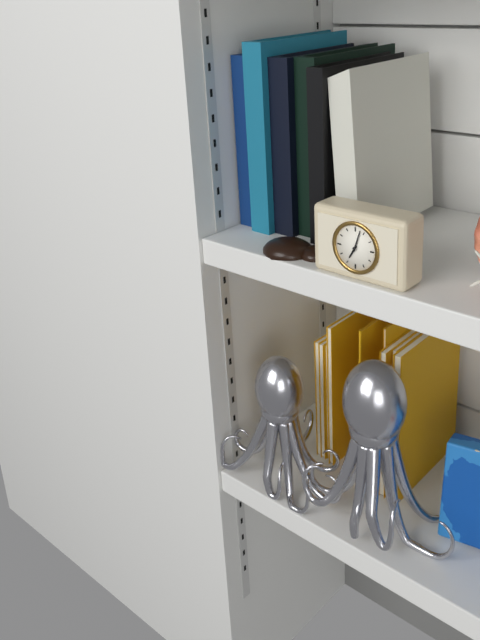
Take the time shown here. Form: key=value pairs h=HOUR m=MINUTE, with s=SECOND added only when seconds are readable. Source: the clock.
h=7 m=3
